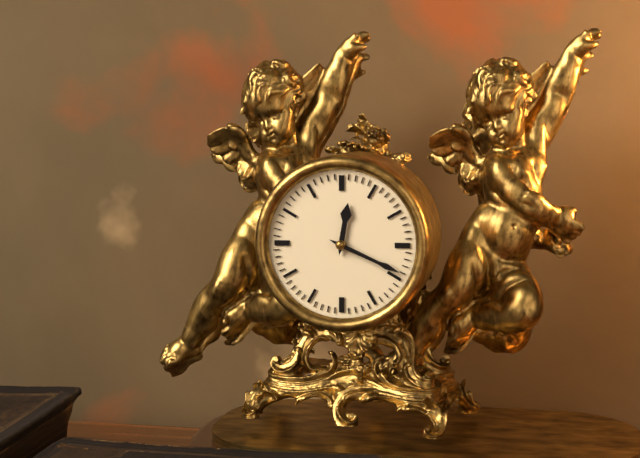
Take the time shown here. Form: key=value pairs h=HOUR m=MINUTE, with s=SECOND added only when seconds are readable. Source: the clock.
h=12 m=19
